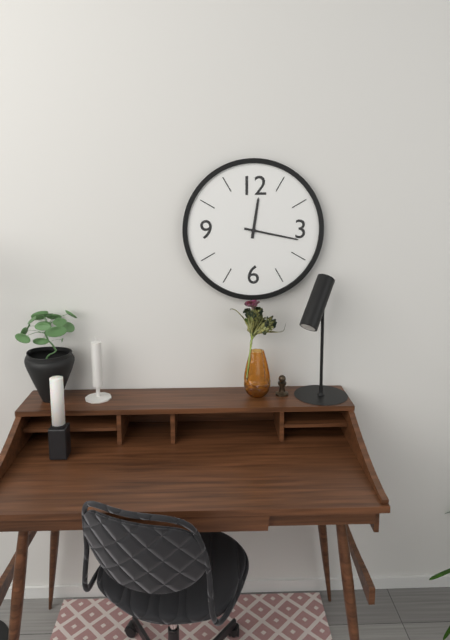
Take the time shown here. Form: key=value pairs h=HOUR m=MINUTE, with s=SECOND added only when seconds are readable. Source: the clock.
h=12 m=17
